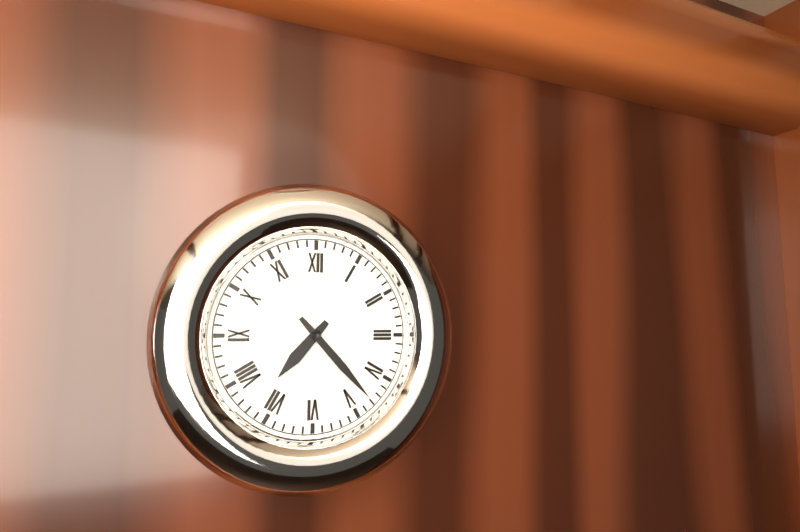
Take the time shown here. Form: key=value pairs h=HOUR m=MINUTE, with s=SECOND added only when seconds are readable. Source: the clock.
h=7 m=23
